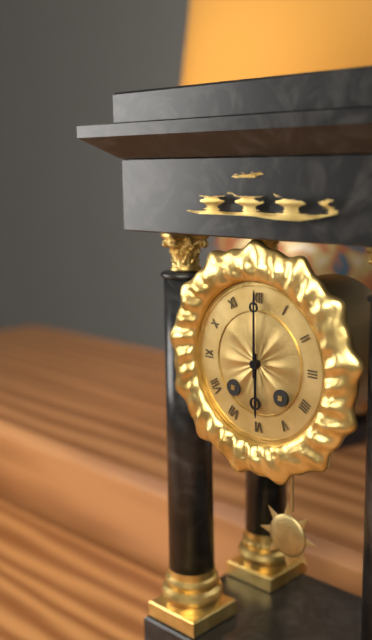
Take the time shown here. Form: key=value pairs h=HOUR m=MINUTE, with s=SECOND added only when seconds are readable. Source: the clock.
h=6 m=0
